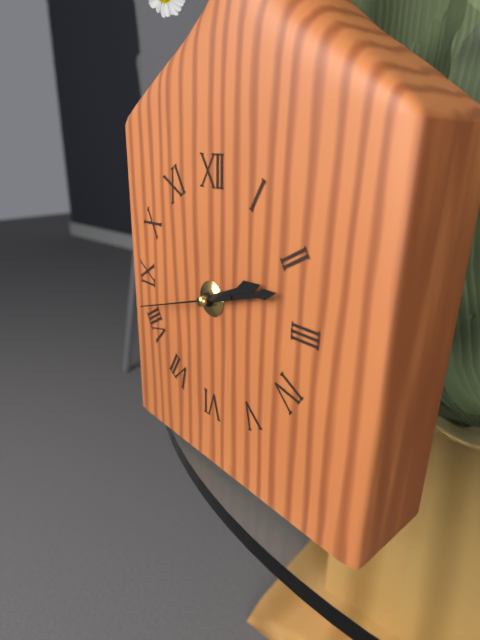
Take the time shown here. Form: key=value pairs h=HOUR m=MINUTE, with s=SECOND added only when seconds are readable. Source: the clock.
h=2 m=12 s=42
